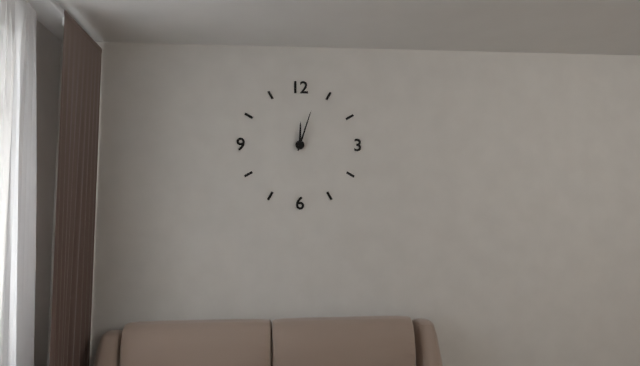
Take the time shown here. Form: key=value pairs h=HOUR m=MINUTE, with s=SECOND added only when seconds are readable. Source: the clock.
h=12 m=3
